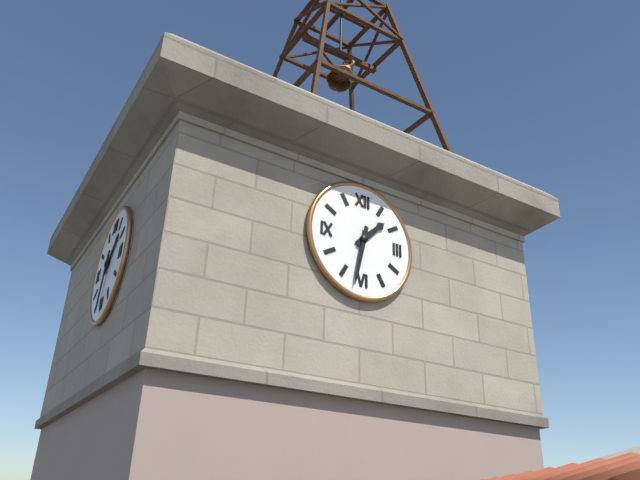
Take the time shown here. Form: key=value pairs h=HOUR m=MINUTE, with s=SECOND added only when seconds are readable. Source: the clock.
h=1 m=32
